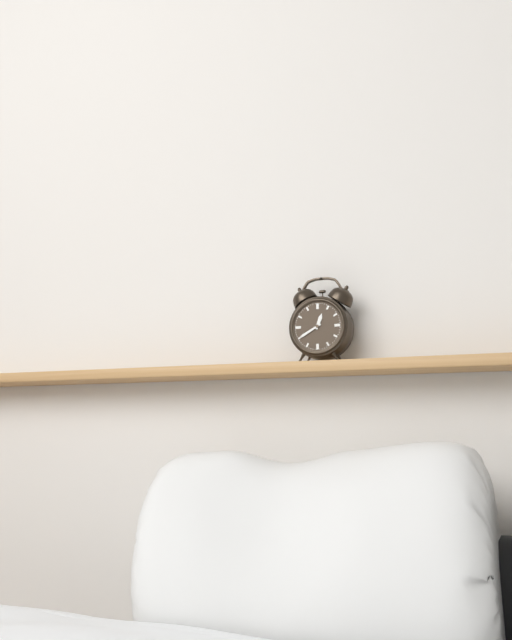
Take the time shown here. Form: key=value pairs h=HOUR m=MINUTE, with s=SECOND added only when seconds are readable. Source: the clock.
h=12 m=40
